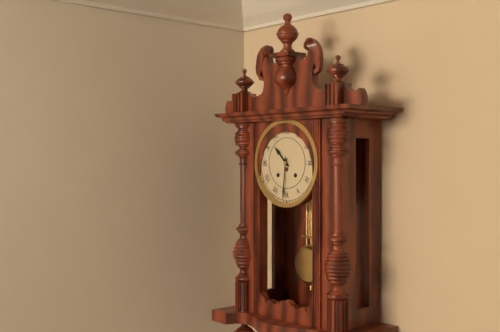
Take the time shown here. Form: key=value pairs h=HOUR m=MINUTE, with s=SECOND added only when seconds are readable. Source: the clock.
h=10 m=31
